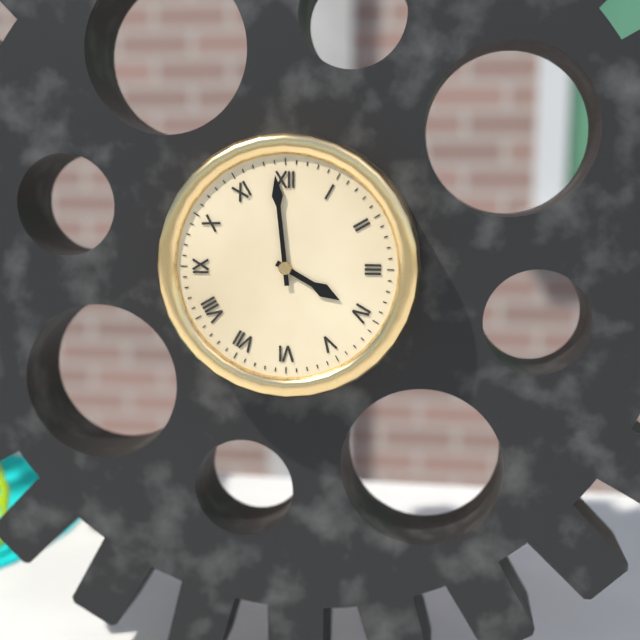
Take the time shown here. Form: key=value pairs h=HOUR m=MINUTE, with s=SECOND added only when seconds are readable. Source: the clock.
h=3 m=59
